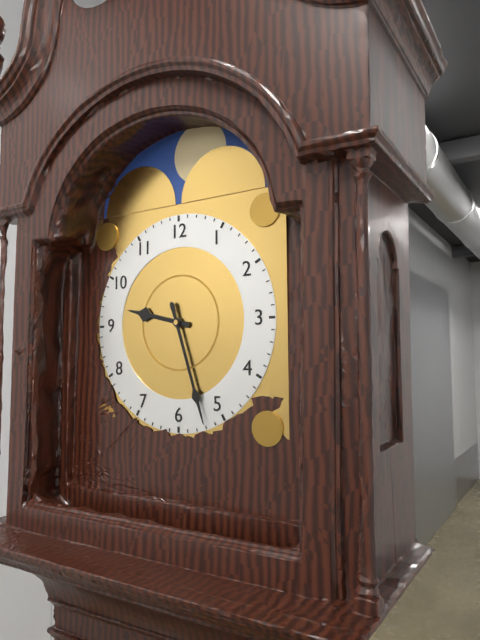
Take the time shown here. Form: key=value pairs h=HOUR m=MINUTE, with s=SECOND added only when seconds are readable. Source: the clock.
h=9 m=27
